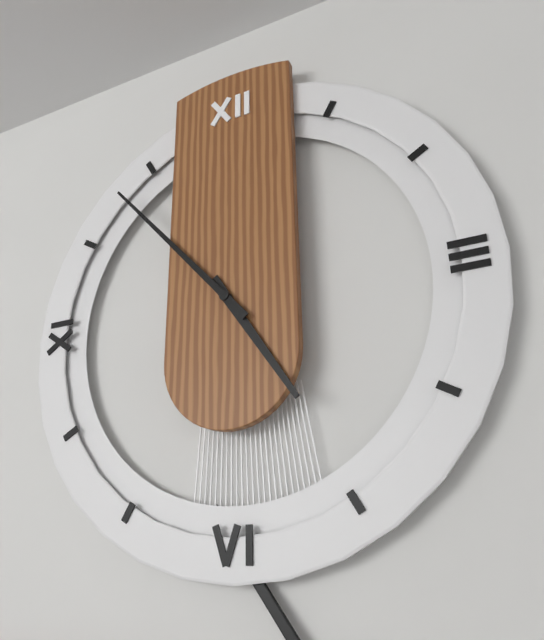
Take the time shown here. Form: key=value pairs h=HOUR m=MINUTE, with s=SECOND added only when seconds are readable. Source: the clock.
h=4 m=53
